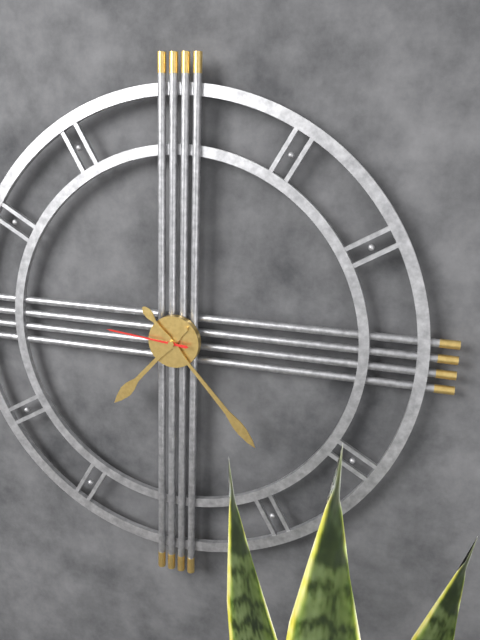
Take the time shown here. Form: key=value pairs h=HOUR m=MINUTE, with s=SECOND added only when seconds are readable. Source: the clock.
h=7 m=23 s=46
